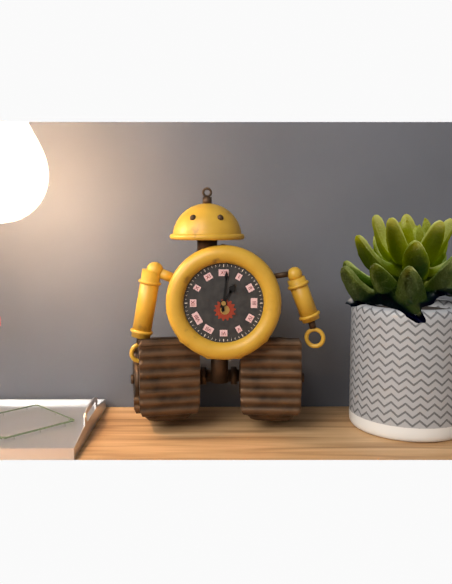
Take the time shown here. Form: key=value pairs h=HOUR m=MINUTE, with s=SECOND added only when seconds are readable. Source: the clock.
h=1 m=1
